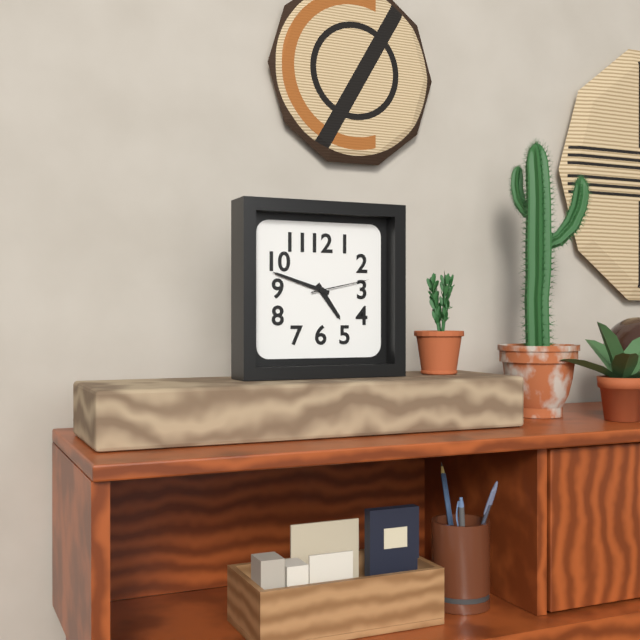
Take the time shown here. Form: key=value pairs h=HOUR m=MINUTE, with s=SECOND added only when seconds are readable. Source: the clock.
h=4 m=48 s=13
